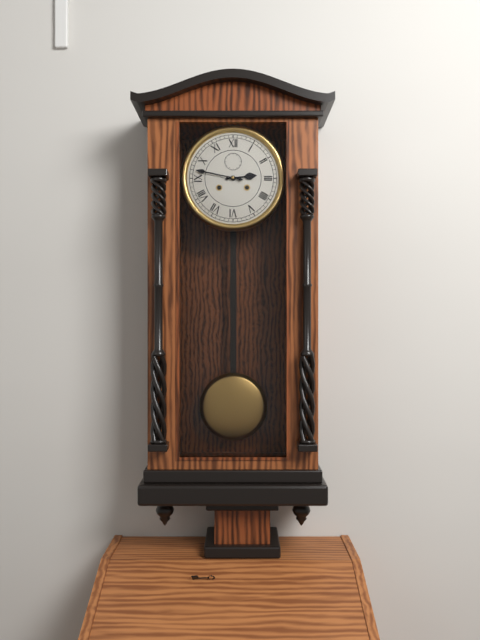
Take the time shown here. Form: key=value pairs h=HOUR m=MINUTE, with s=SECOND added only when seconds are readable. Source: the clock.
h=2 m=47
